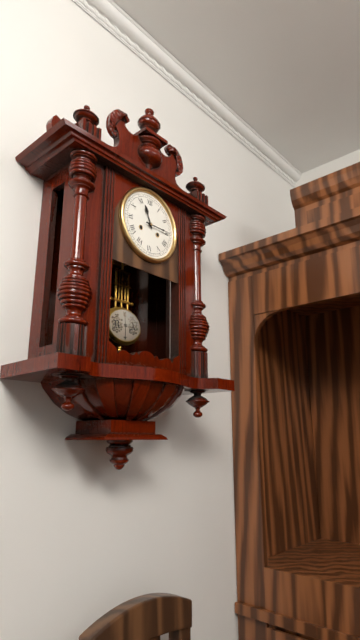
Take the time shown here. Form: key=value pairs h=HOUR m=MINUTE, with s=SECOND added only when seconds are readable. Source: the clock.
h=11 m=15
